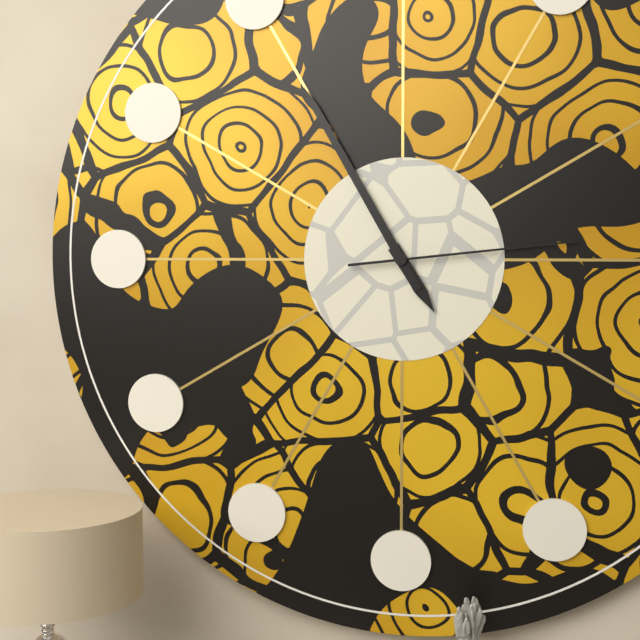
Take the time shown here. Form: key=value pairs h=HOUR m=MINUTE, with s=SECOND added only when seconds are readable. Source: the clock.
h=4 m=55 s=14
